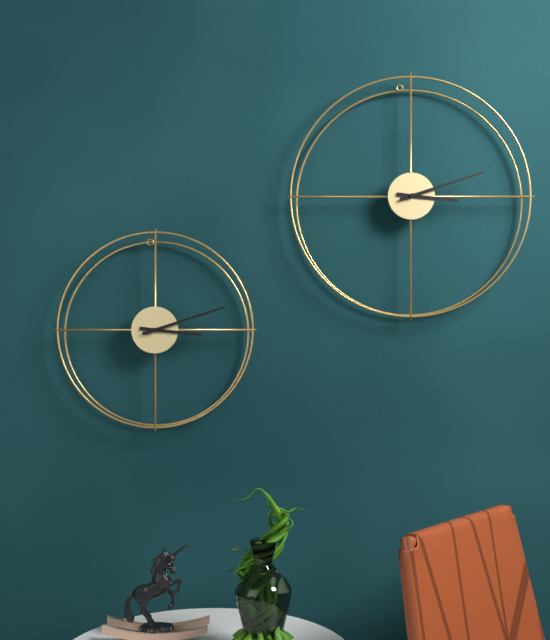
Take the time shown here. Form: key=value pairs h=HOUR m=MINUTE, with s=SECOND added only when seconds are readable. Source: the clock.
h=3 m=12
